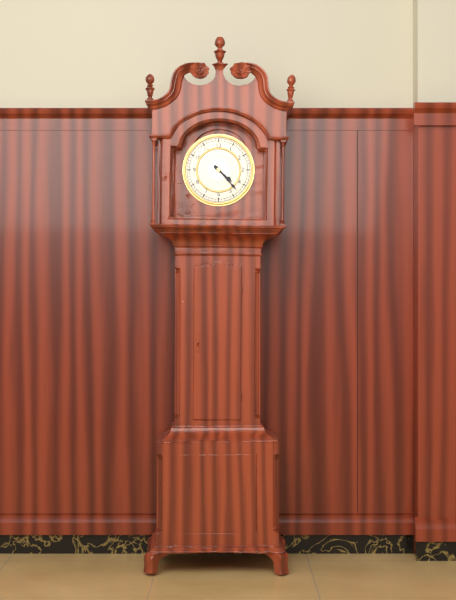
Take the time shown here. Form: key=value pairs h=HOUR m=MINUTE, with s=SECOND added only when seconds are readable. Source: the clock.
h=4 m=23
